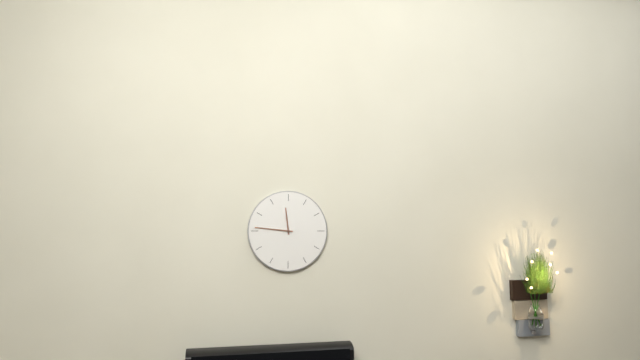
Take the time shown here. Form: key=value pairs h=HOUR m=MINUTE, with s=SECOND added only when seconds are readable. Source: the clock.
h=11 m=46
